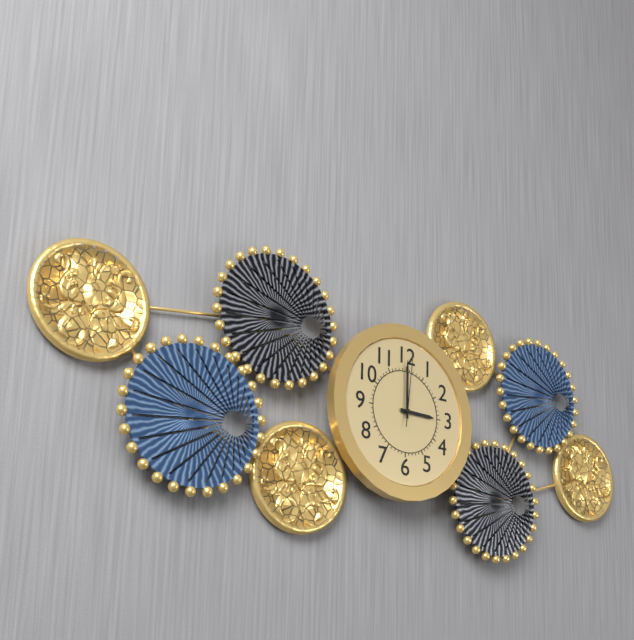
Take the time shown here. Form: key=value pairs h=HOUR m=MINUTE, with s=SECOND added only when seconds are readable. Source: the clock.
h=3 m=0 s=1
